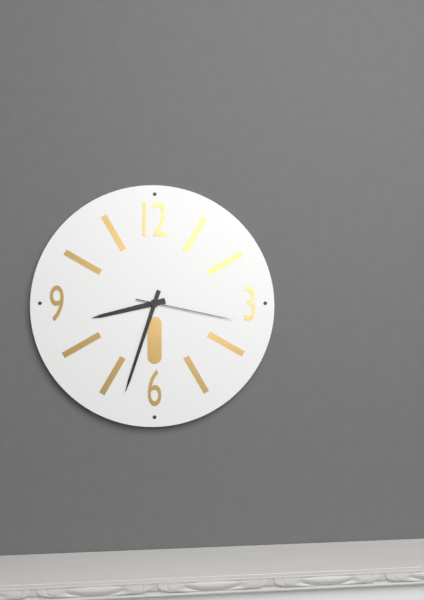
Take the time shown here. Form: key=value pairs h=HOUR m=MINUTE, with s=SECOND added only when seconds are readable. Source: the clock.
h=8 m=33 s=17
